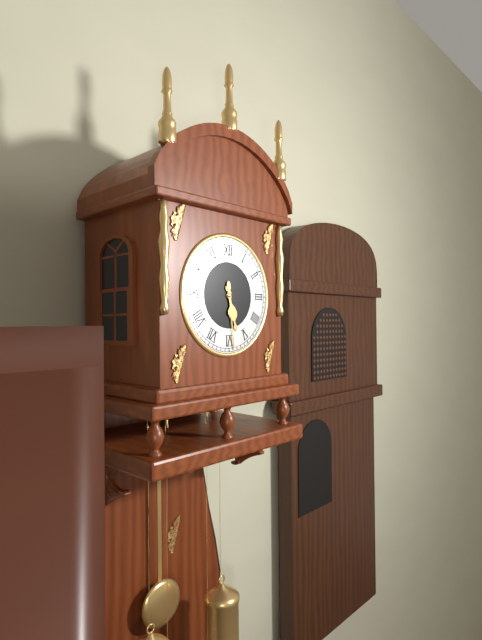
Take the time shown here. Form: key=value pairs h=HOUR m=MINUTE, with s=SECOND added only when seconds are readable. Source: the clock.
h=5 m=29
